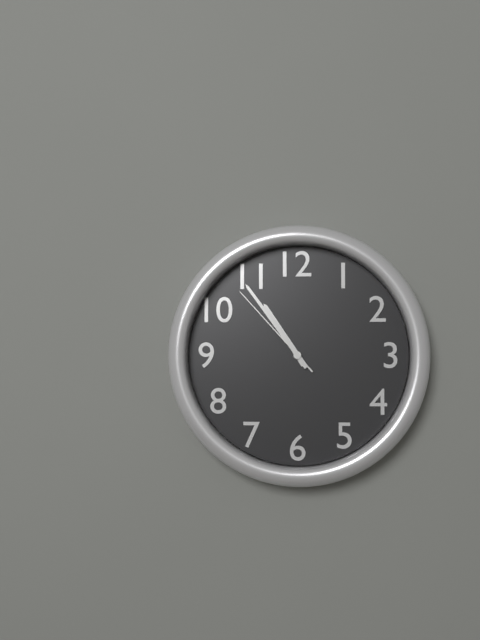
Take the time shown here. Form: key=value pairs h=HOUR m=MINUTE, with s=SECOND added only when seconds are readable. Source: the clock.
h=10 m=54 s=53
